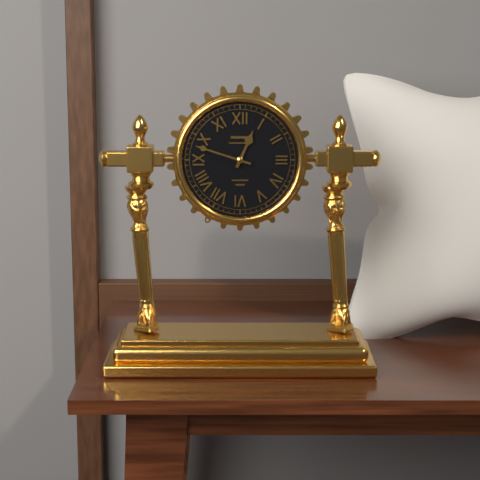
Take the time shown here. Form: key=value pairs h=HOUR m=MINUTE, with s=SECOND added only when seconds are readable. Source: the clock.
h=12 m=48
